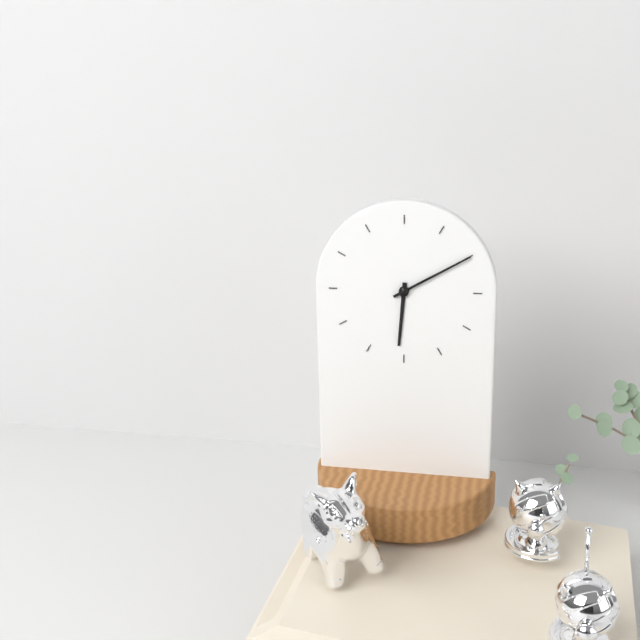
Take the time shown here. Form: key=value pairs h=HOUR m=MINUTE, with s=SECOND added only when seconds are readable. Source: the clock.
h=6 m=10
